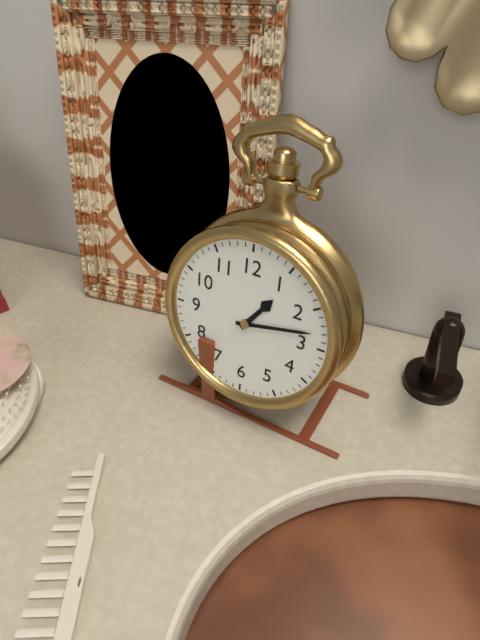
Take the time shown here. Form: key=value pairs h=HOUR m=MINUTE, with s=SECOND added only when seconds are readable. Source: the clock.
h=1 m=13
